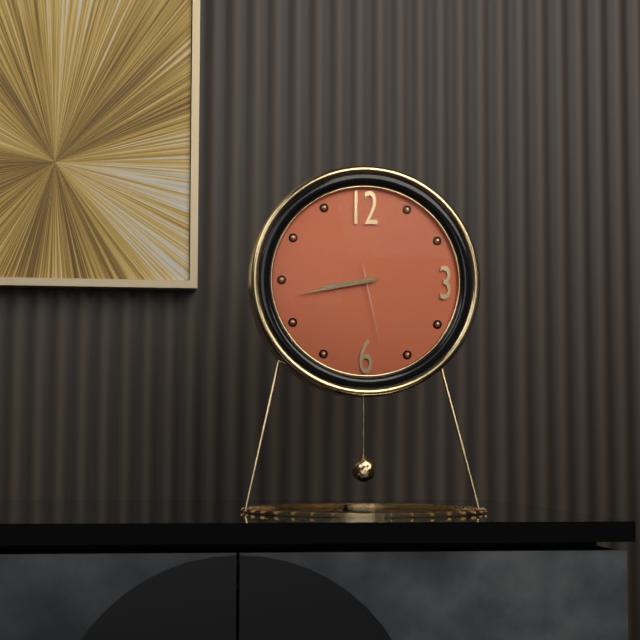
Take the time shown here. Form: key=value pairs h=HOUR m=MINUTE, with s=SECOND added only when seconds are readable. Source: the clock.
h=8 m=43 s=28
